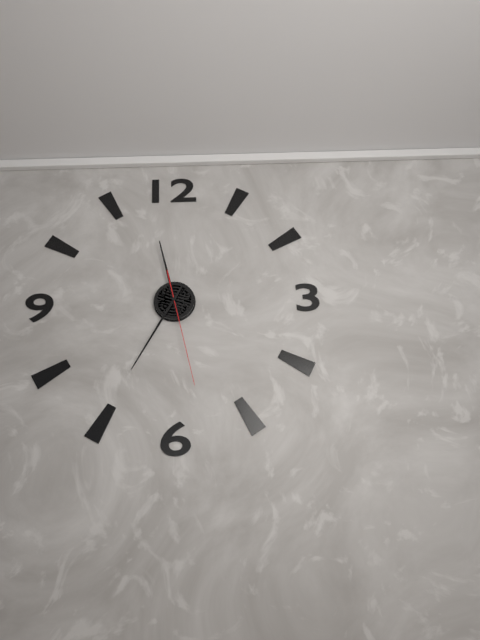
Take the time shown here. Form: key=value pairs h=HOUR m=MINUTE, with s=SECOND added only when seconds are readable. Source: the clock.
h=11 m=35 s=28
